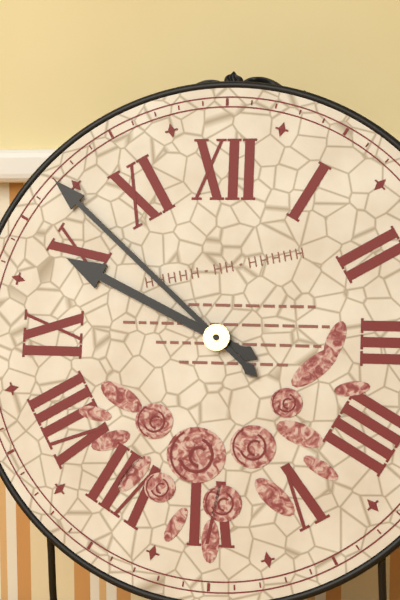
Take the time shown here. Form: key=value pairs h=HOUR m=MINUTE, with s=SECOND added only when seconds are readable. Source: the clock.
h=9 m=52
